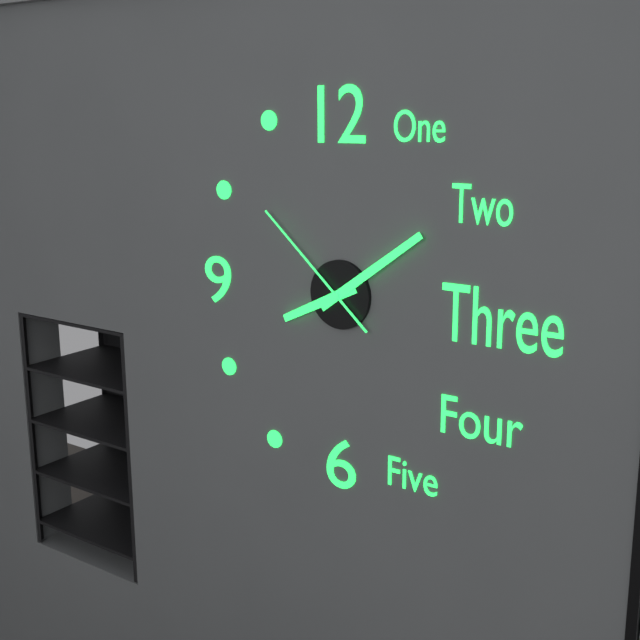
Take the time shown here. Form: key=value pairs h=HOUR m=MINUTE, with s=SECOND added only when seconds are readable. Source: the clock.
h=8 m=9 s=52
